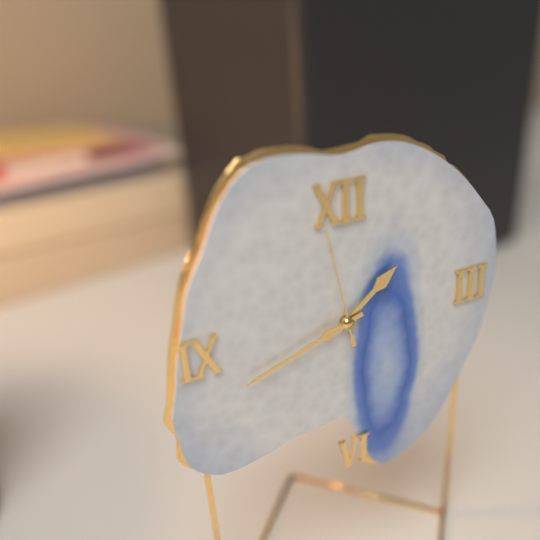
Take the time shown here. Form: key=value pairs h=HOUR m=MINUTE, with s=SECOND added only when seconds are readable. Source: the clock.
h=1 m=42 s=58
